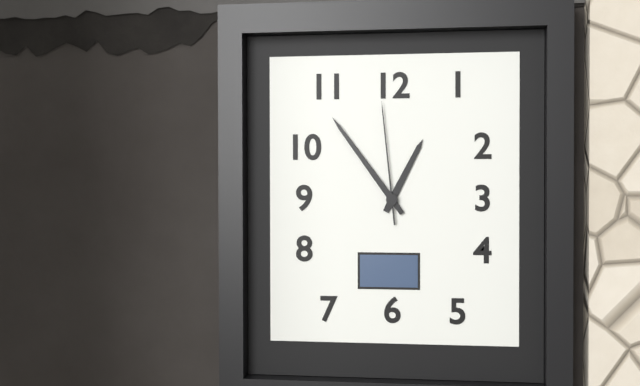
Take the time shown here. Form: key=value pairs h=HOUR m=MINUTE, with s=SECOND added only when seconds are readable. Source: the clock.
h=12 m=54 s=59
